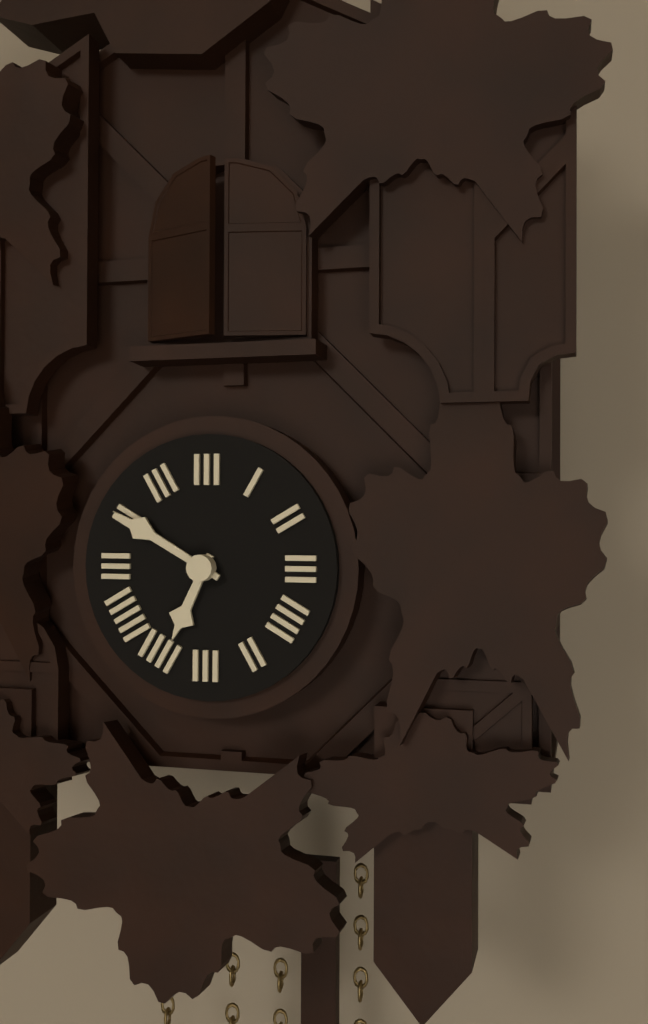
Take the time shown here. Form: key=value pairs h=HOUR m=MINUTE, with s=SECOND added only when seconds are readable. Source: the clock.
h=6 m=50
